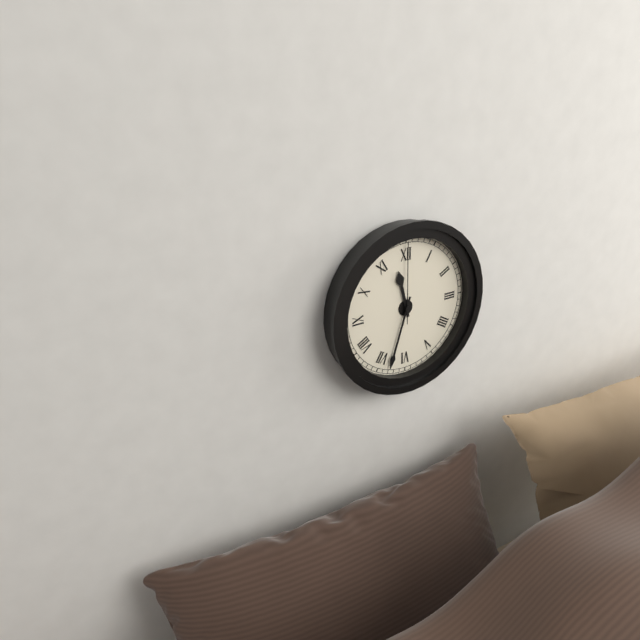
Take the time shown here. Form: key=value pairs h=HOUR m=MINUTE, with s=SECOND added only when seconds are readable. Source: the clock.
h=11 m=33 s=0
